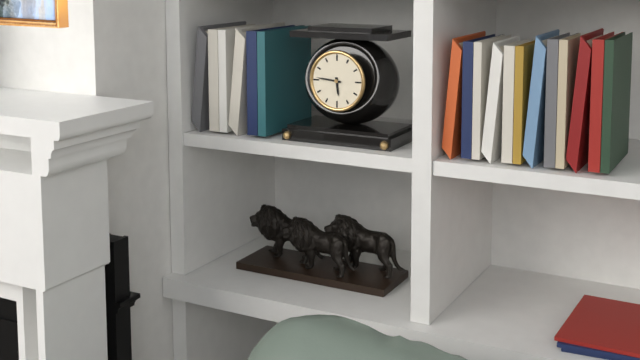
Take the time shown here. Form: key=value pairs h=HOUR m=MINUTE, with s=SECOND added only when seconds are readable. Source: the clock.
h=5 m=46
